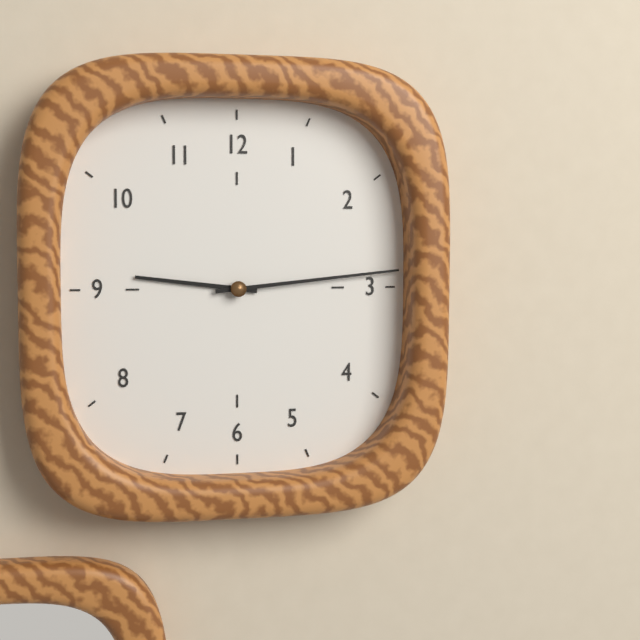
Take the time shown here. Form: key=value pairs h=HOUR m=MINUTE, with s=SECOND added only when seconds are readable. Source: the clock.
h=9 m=14
